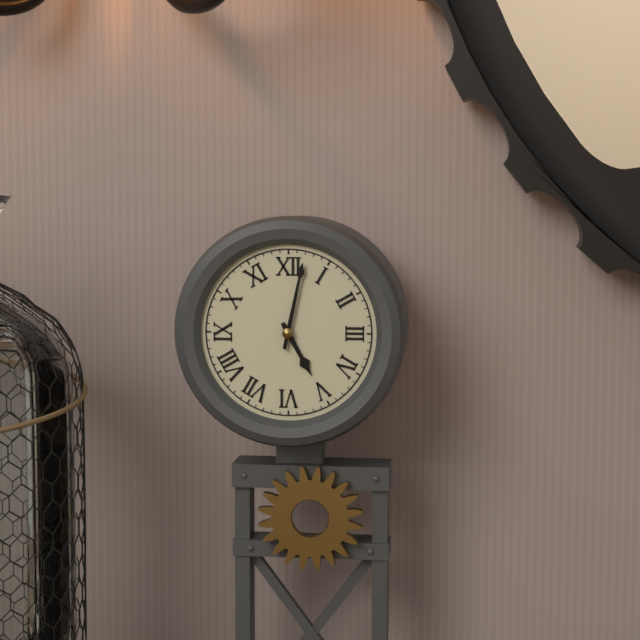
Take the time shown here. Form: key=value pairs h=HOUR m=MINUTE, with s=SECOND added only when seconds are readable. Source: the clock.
h=5 m=2
